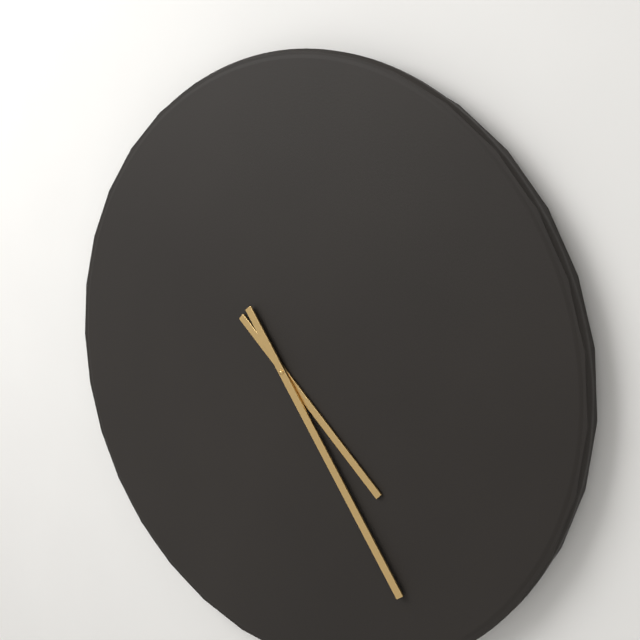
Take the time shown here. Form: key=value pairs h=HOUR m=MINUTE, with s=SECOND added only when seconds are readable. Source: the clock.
h=4 m=24
